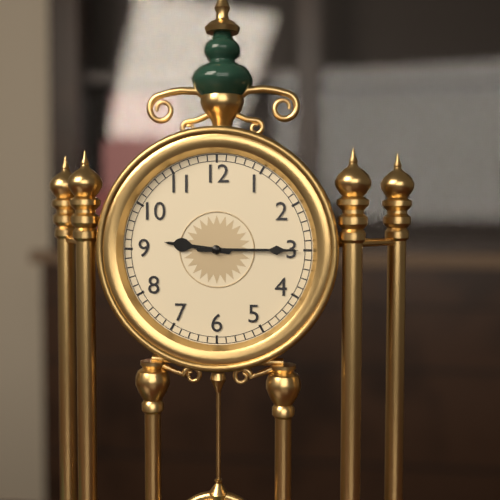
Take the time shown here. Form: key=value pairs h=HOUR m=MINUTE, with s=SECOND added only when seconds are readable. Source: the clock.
h=9 m=15
